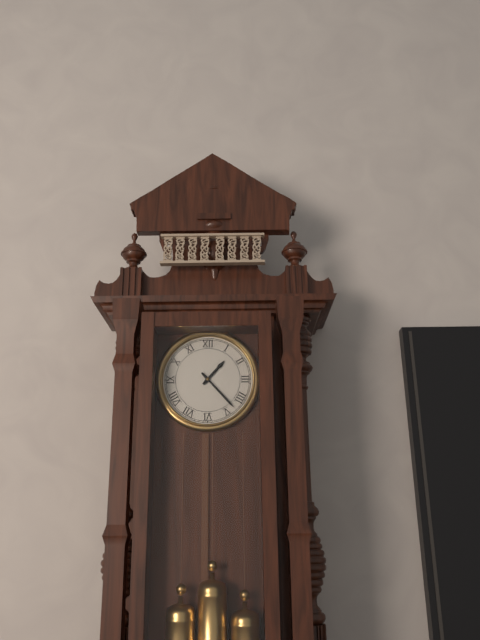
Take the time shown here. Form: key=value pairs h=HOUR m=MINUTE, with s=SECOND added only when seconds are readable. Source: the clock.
h=1 m=23
